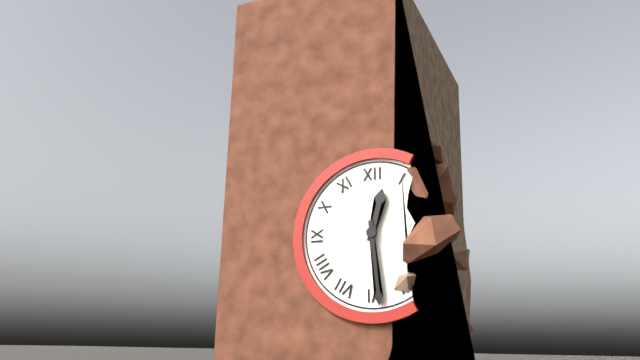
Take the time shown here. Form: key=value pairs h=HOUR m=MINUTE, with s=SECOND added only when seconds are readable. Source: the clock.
h=12 m=29
